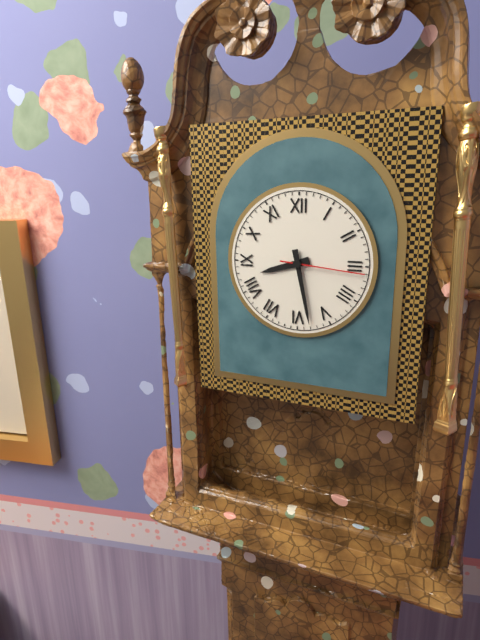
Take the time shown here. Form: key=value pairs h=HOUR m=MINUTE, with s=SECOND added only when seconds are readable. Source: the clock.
h=8 m=28 s=16
